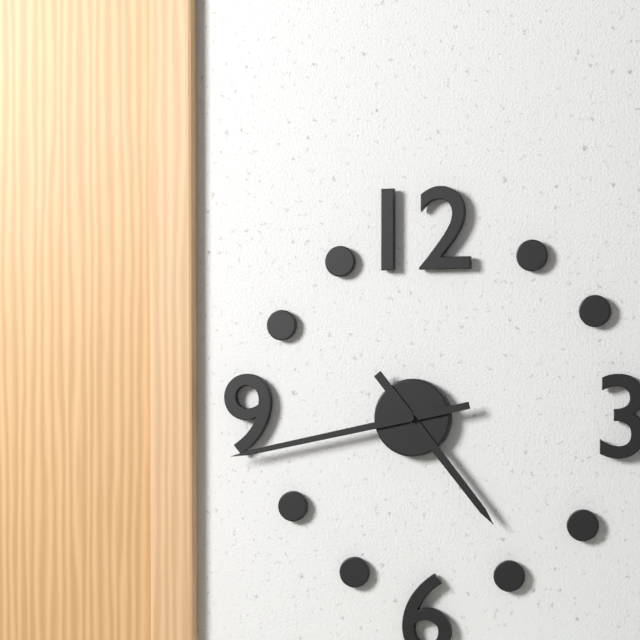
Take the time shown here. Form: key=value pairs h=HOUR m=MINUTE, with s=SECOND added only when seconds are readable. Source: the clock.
h=4 m=43
